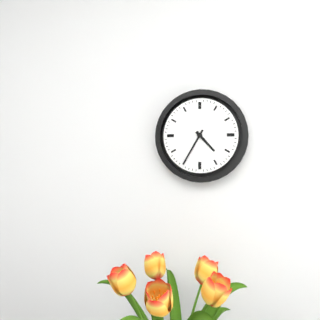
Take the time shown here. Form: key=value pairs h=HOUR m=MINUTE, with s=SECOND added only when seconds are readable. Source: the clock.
h=4 m=35
